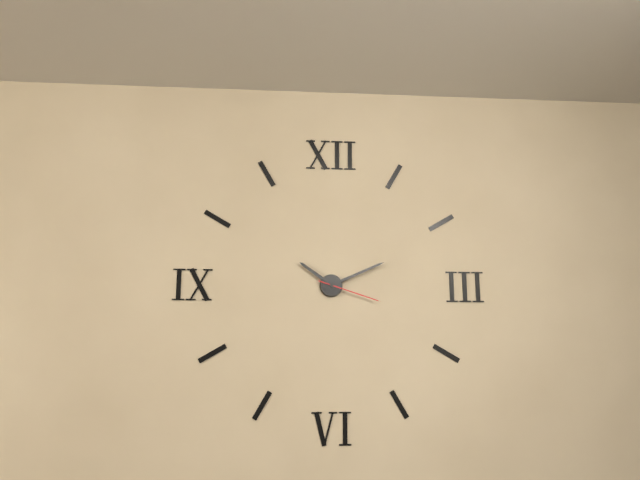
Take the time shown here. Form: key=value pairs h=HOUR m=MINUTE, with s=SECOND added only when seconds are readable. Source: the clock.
h=10 m=11 s=18
